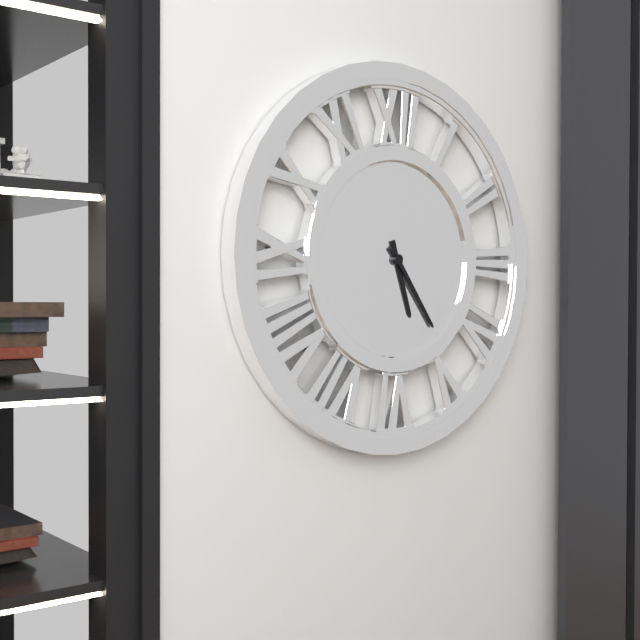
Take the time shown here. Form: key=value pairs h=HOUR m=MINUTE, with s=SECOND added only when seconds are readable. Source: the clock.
h=5 m=24
